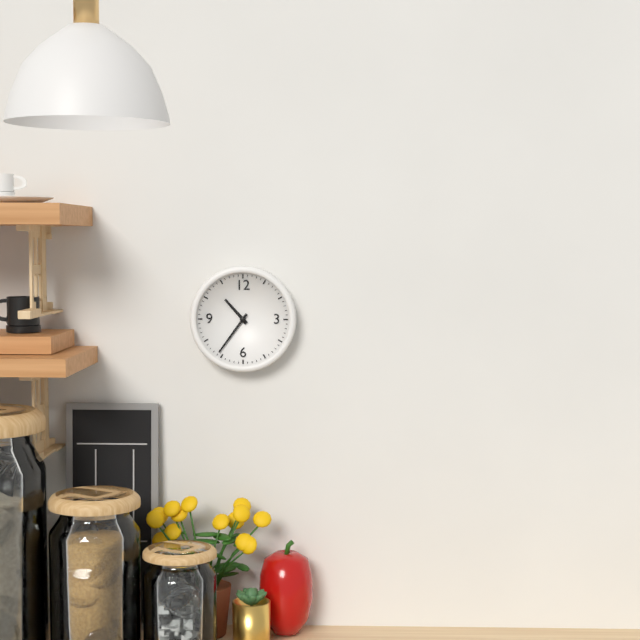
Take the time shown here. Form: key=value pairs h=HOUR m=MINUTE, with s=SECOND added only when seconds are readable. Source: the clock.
h=10 m=36
